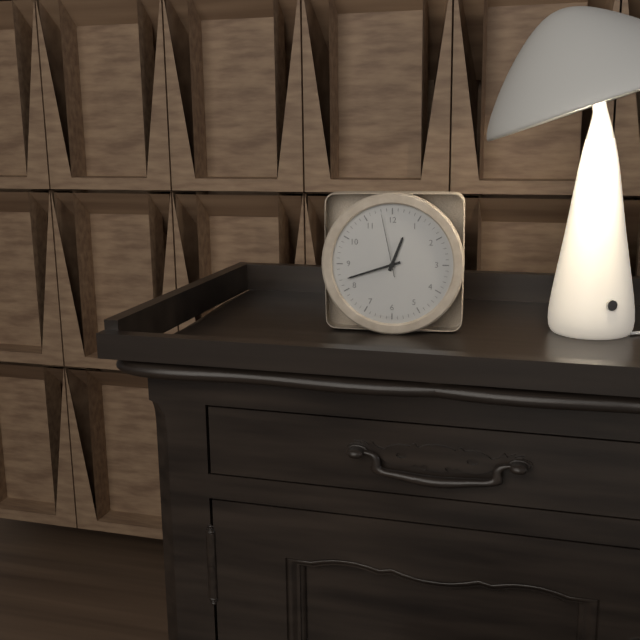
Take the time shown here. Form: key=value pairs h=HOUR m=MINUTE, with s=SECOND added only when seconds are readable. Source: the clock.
h=12 m=42 s=58
